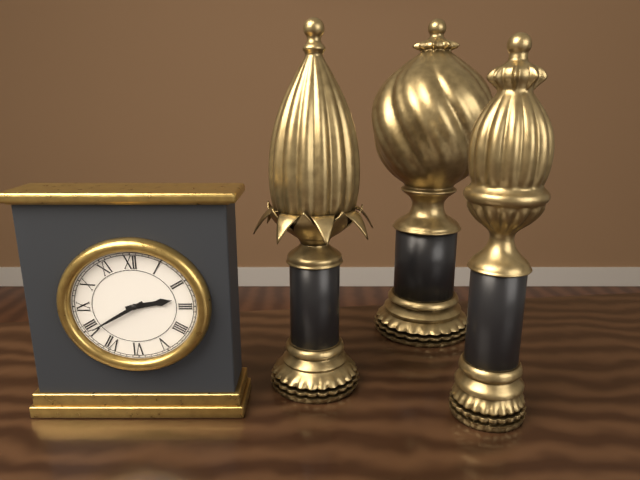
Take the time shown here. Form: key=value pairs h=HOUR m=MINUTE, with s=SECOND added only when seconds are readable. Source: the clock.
h=2 m=40
